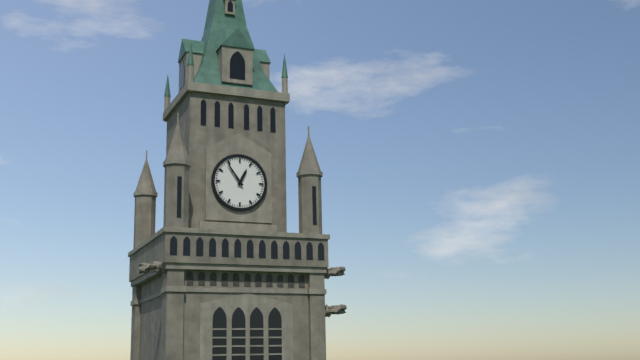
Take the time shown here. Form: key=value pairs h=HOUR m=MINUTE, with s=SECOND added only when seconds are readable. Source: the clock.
h=12 m=54
